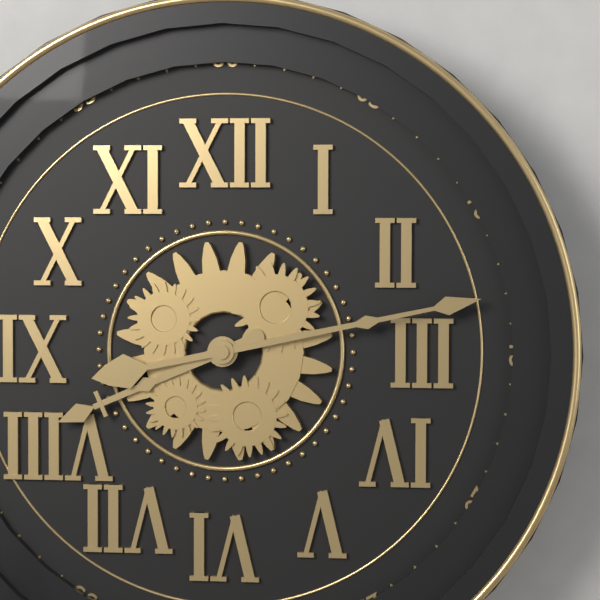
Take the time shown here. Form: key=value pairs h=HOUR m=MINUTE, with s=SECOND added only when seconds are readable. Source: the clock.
h=8 m=13
